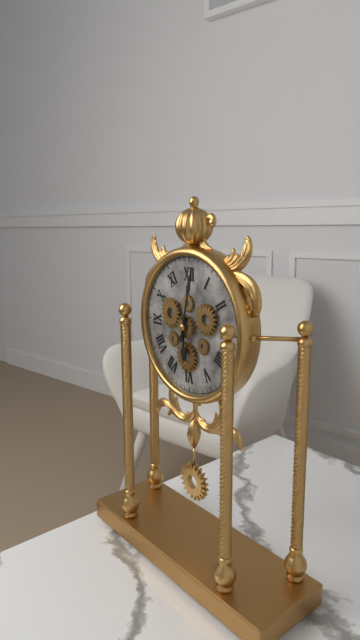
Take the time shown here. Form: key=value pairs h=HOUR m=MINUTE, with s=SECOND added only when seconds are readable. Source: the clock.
h=6 m=2
